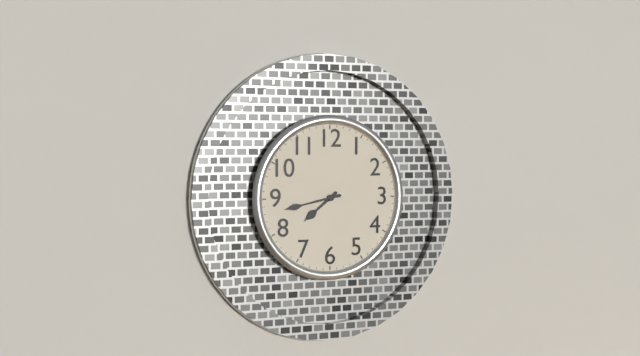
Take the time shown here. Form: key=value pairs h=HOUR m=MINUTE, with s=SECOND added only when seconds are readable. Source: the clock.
h=7 m=43
